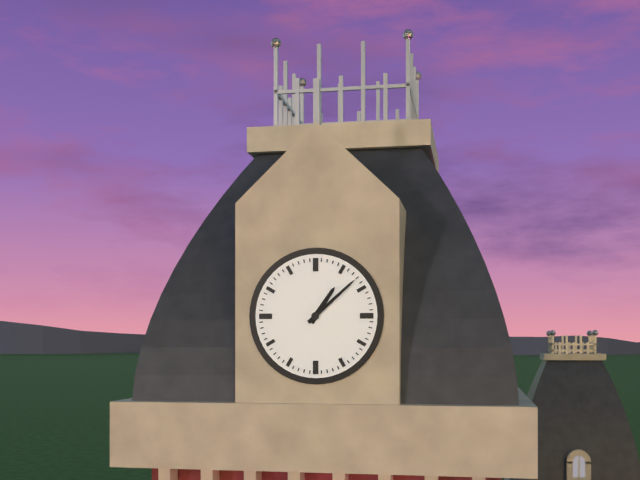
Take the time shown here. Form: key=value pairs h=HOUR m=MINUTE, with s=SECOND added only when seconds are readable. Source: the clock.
h=1 m=8
